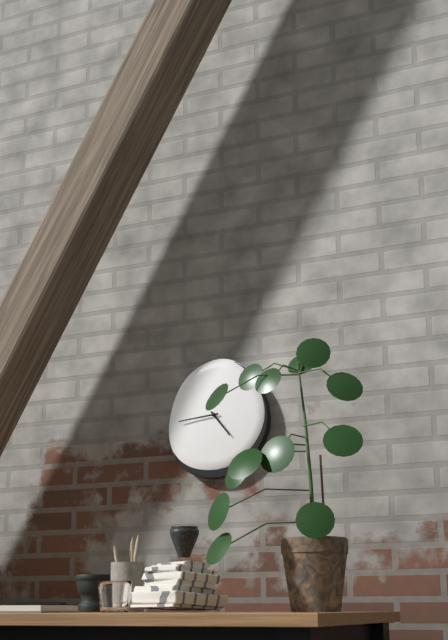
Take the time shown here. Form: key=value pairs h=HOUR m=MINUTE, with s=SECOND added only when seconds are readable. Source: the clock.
h=4 m=44
